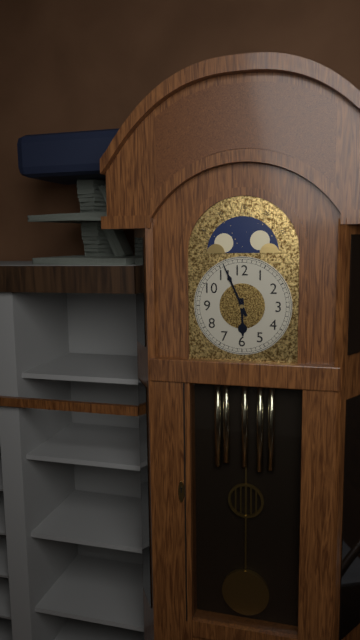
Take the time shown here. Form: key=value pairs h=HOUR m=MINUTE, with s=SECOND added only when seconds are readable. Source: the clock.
h=5 m=56
